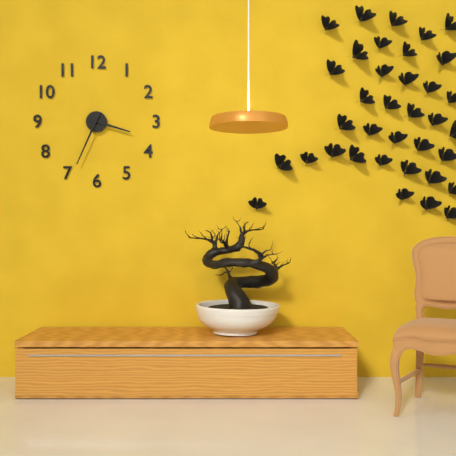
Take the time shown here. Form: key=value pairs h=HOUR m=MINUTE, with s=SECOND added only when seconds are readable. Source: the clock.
h=3 m=34
